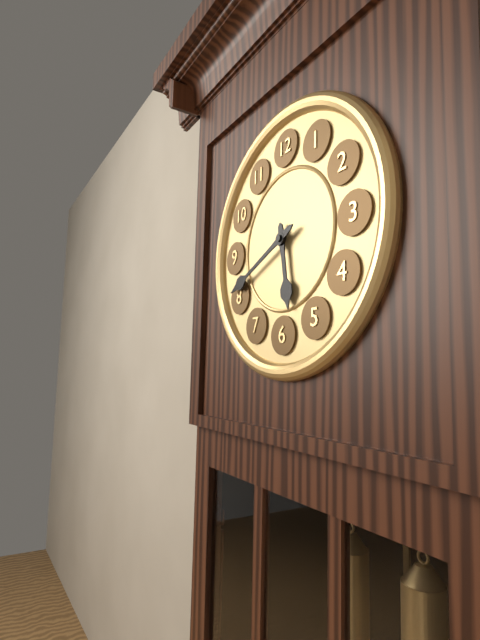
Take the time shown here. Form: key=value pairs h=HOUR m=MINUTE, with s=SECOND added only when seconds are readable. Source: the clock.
h=5 m=41
